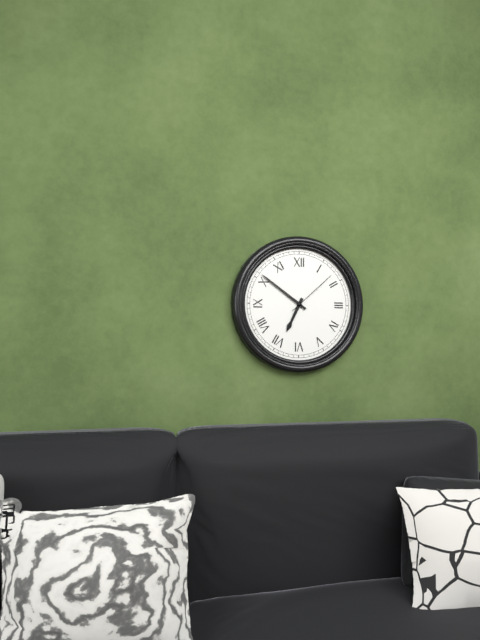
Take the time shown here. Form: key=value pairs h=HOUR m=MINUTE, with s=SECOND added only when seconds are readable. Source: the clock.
h=6 m=51 s=8
